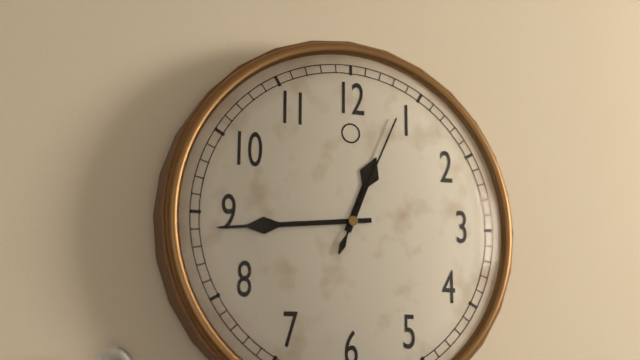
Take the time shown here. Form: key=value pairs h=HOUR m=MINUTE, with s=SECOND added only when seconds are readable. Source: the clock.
h=12 m=44 s=4
